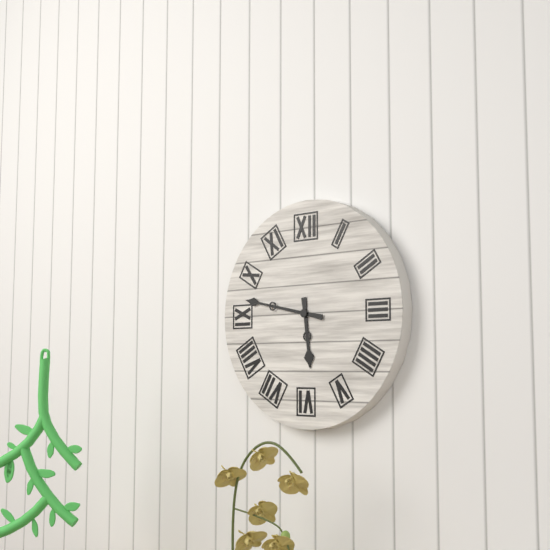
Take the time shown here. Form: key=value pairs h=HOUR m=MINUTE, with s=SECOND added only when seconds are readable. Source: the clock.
h=5 m=47
